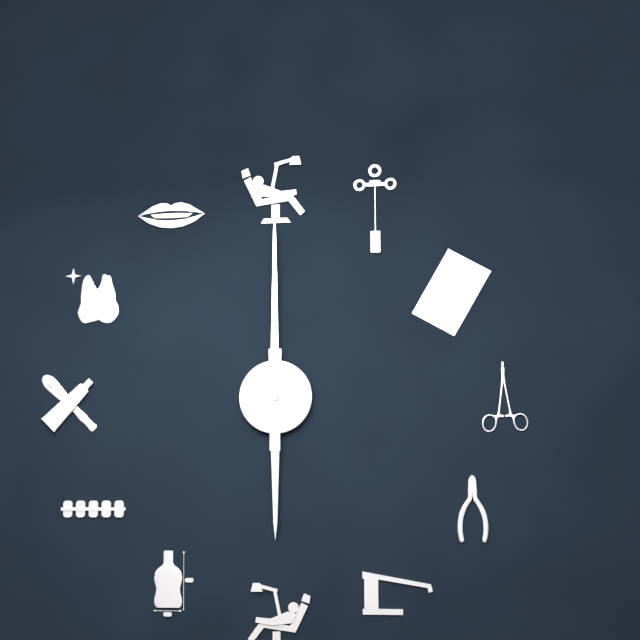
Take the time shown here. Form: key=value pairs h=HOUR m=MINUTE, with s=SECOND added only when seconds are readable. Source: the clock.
h=6 m=0
